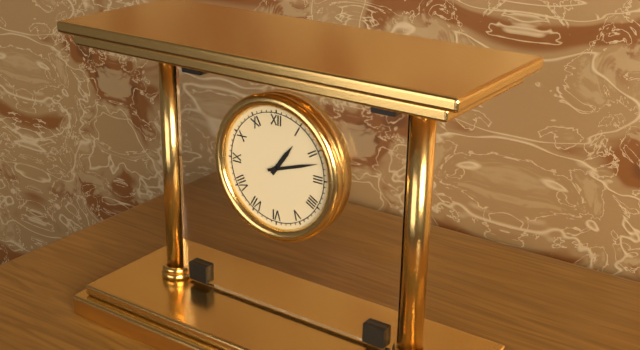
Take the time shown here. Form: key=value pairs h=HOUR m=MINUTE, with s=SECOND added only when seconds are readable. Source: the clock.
h=1 m=12
